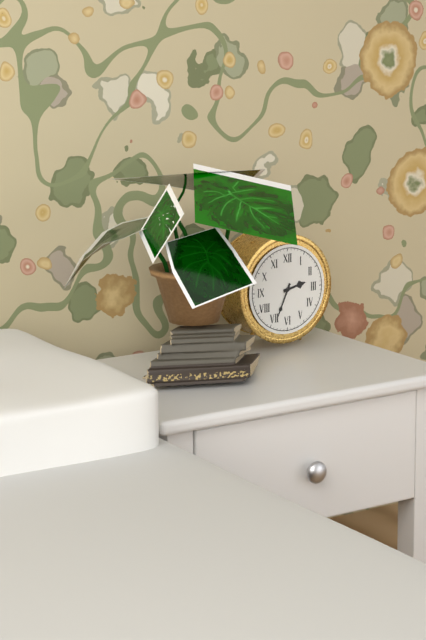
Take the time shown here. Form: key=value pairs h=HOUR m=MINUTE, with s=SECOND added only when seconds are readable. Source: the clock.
h=2 m=34
